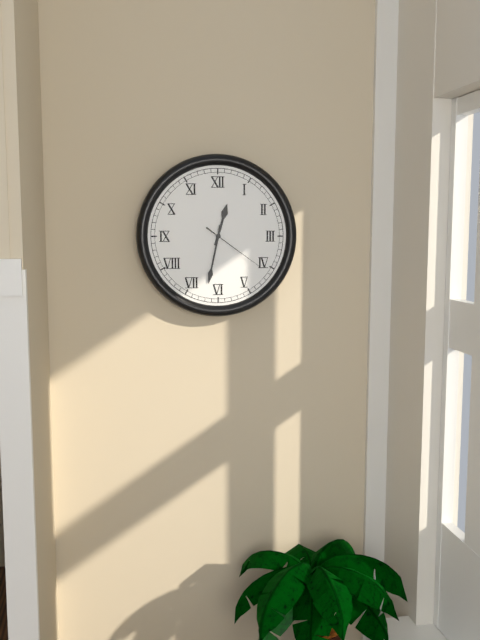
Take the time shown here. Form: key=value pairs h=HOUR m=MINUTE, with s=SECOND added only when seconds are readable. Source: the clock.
h=12 m=32 s=21
